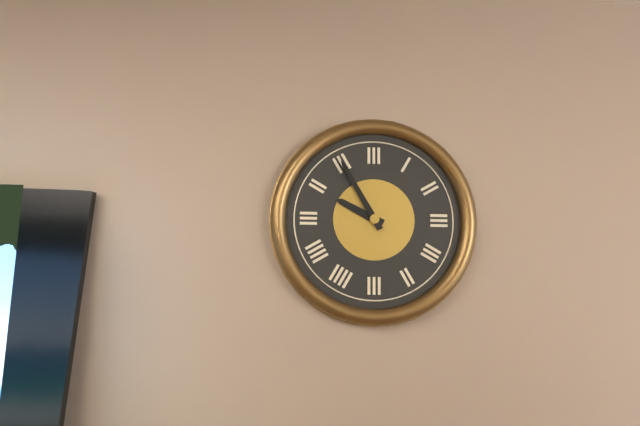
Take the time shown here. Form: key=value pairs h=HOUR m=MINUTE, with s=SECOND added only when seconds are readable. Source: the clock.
h=9 m=55
